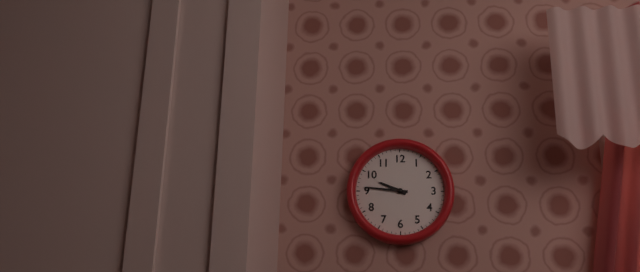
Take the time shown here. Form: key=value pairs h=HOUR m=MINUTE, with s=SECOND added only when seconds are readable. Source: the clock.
h=9 m=46
